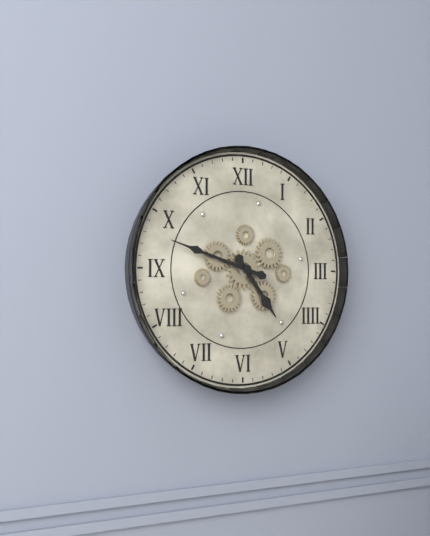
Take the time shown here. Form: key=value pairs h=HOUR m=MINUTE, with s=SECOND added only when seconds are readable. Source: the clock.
h=4 m=48
